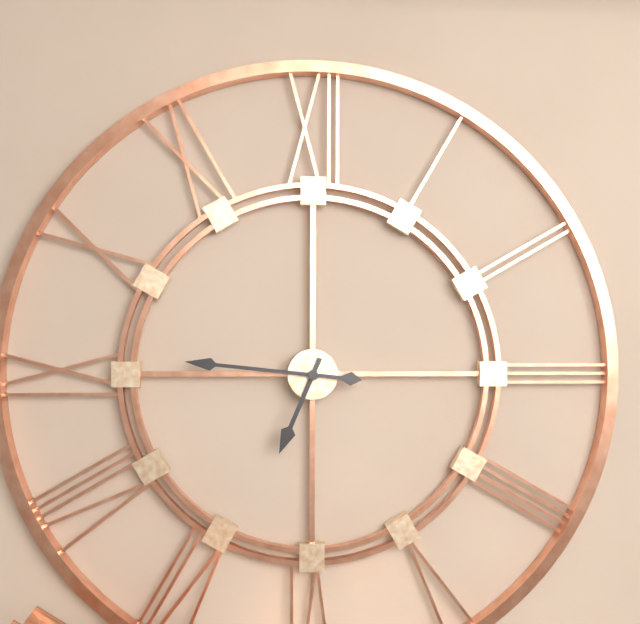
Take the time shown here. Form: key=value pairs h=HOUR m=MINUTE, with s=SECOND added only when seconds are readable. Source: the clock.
h=6 m=46
